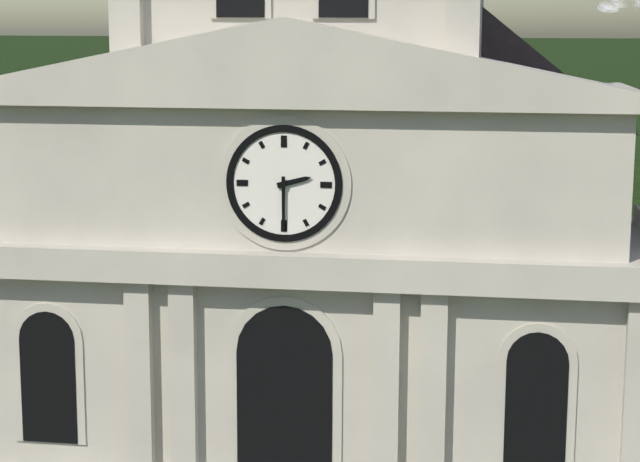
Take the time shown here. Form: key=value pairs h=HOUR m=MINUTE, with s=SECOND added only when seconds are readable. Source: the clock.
h=2 m=30
